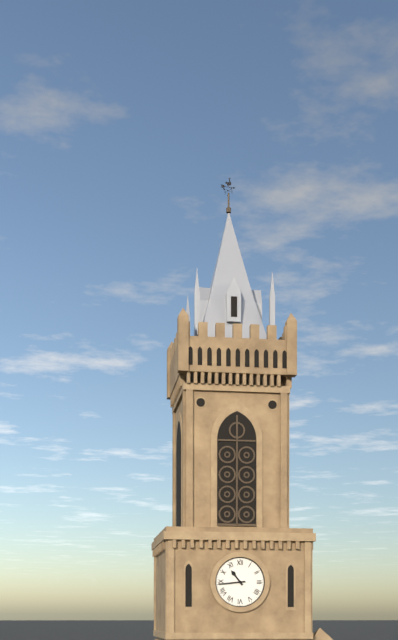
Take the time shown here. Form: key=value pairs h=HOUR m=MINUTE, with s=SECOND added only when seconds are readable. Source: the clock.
h=10 m=44
